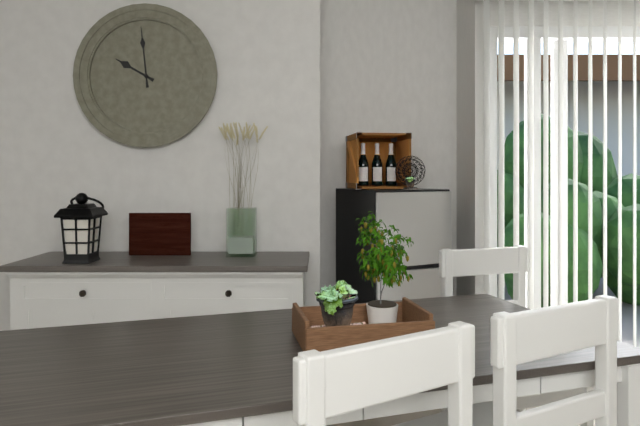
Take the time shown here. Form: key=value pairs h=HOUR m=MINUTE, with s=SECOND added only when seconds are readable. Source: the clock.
h=9 m=59
